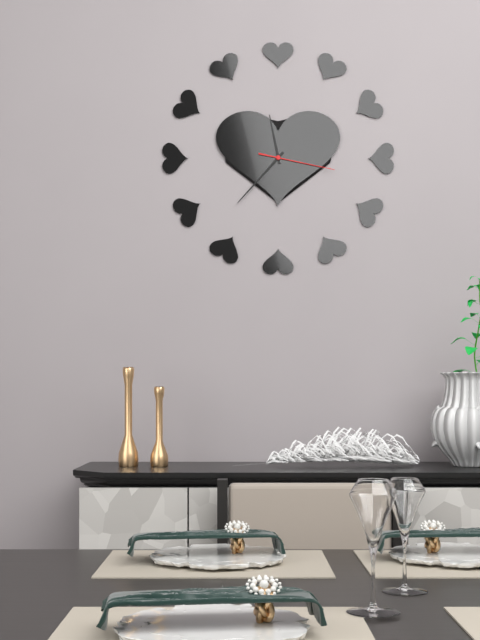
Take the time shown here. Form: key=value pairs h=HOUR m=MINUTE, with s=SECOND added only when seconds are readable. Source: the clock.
h=11 m=37 s=17
